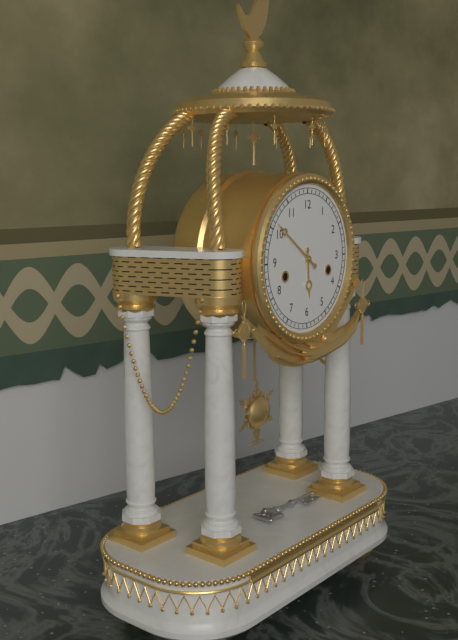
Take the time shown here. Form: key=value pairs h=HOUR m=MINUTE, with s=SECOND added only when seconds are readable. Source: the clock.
h=5 m=51
